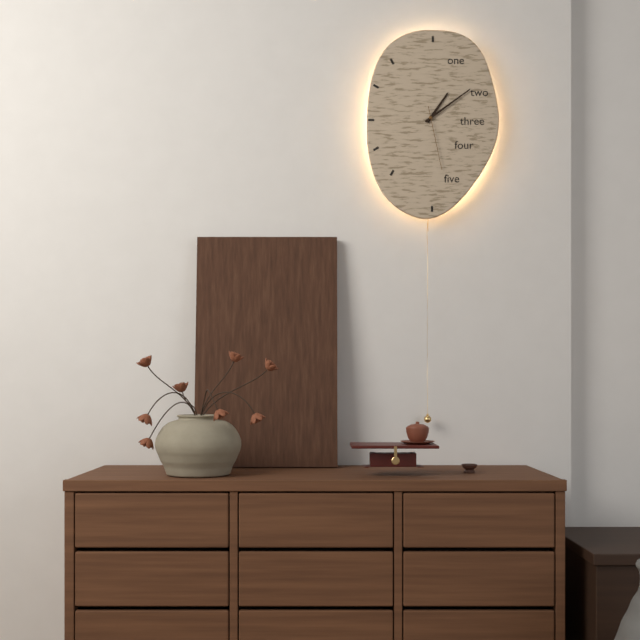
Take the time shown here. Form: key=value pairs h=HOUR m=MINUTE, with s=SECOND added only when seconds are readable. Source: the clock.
h=1 m=9 s=28
